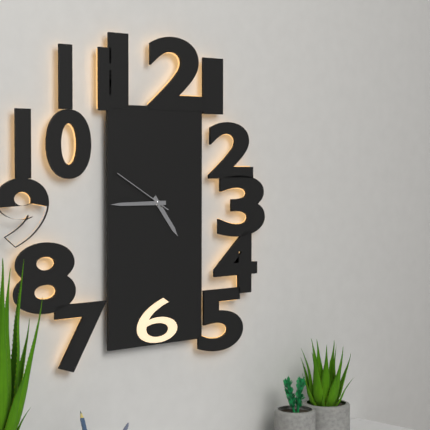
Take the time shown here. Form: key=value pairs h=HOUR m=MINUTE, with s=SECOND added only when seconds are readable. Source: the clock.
h=4 m=45 s=50
